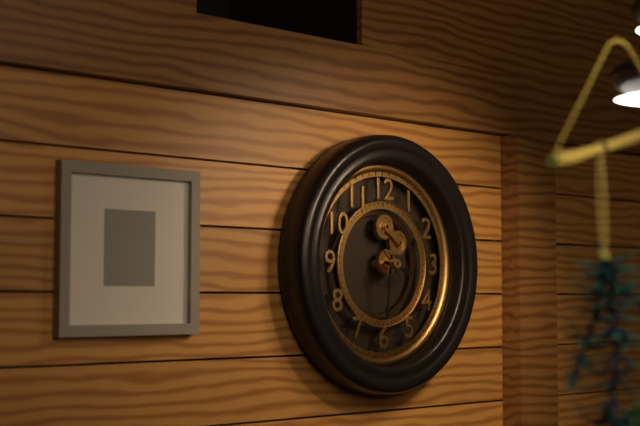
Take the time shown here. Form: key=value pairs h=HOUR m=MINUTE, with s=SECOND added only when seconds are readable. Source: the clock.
h=3 m=31 s=53
